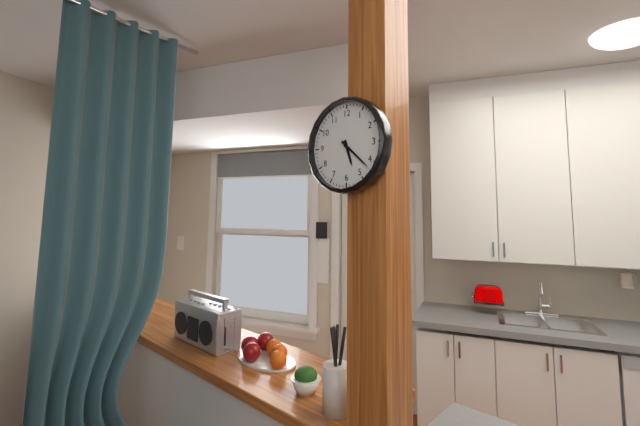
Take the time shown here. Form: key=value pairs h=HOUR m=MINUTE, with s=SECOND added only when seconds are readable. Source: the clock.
h=5 m=22
